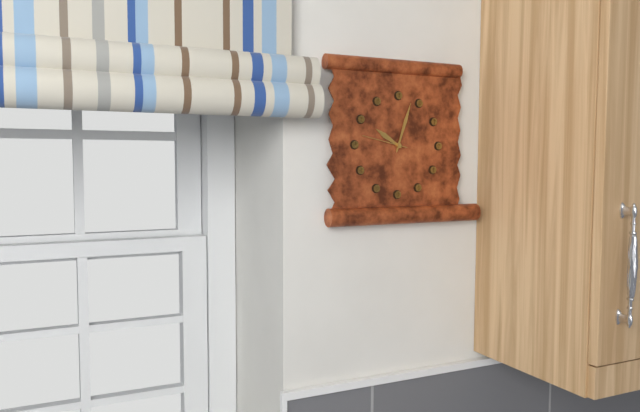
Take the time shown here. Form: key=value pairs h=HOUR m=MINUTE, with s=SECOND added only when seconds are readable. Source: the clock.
h=10 m=3
